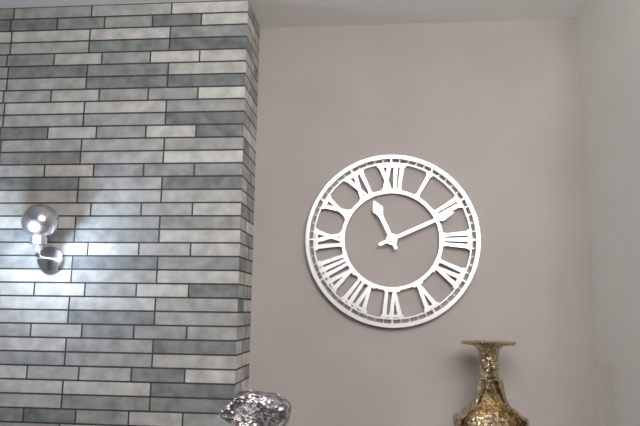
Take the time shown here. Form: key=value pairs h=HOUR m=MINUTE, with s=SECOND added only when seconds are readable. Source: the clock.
h=11 m=11
